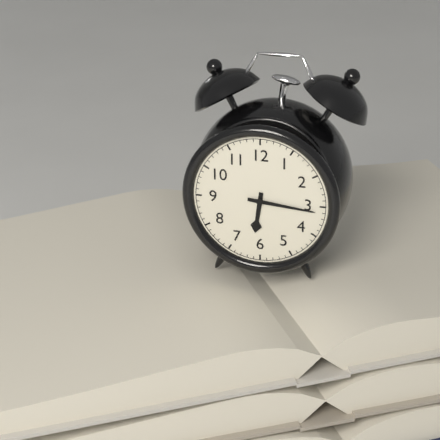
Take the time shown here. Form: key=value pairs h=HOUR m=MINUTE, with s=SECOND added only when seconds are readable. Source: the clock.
h=6 m=16
